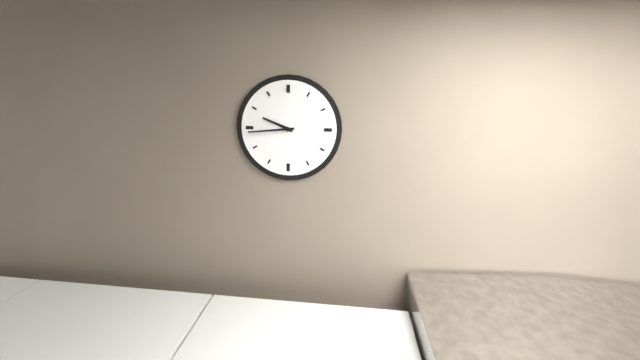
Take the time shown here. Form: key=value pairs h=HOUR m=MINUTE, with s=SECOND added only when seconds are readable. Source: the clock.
h=9 m=44
